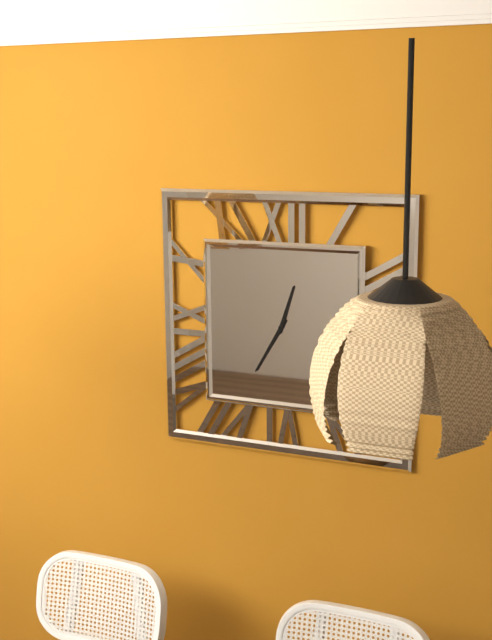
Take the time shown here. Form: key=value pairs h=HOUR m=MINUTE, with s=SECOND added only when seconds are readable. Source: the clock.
h=12 m=35
